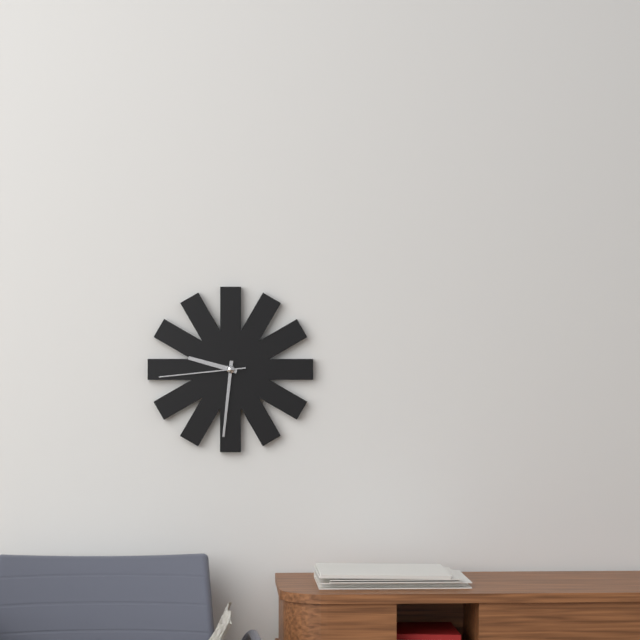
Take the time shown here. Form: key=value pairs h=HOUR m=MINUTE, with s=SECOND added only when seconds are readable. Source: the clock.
h=9 m=31 s=44
